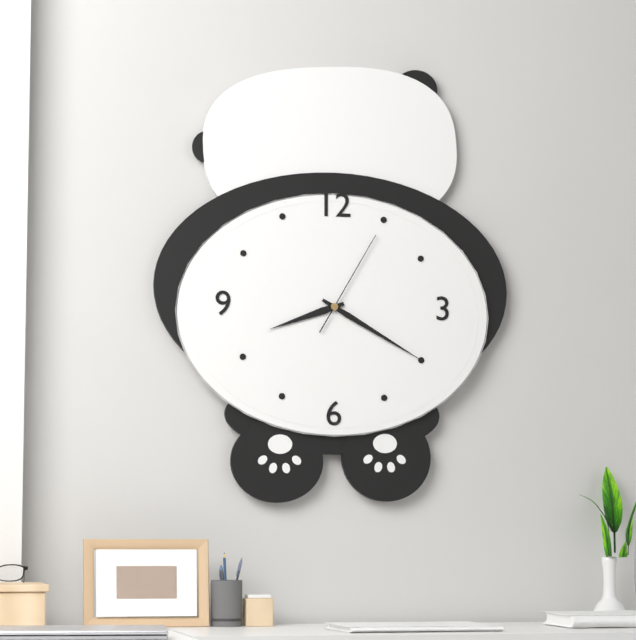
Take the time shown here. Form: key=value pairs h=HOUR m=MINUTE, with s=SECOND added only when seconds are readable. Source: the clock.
h=8 m=20 s=5
